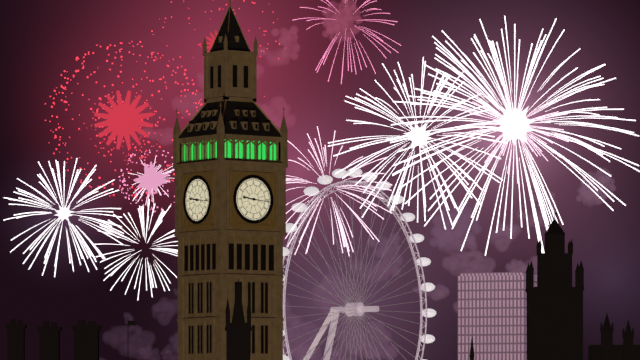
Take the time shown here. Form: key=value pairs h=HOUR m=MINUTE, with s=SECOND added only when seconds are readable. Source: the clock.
h=9 m=16
